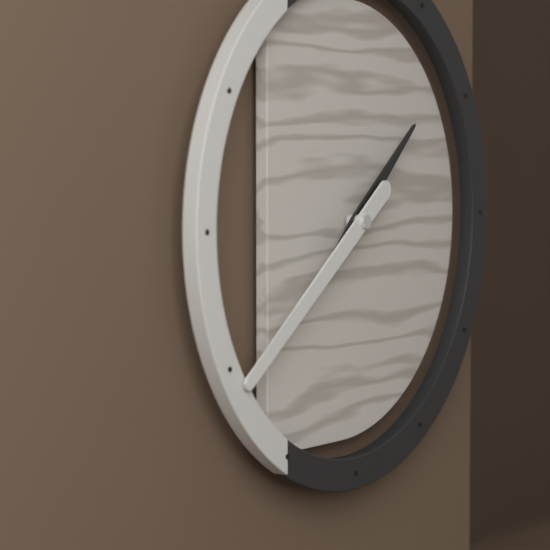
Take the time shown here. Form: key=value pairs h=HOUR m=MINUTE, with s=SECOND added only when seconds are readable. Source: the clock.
h=1 m=39
